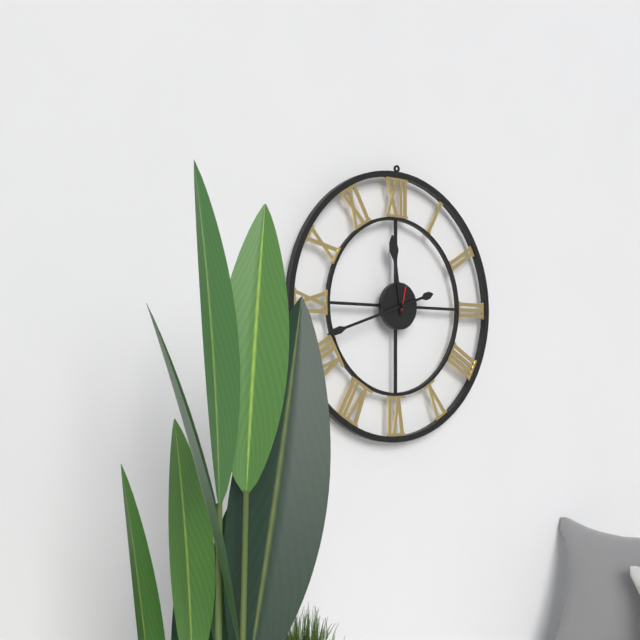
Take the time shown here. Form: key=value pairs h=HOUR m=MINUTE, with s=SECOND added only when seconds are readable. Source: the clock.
h=11 m=42
